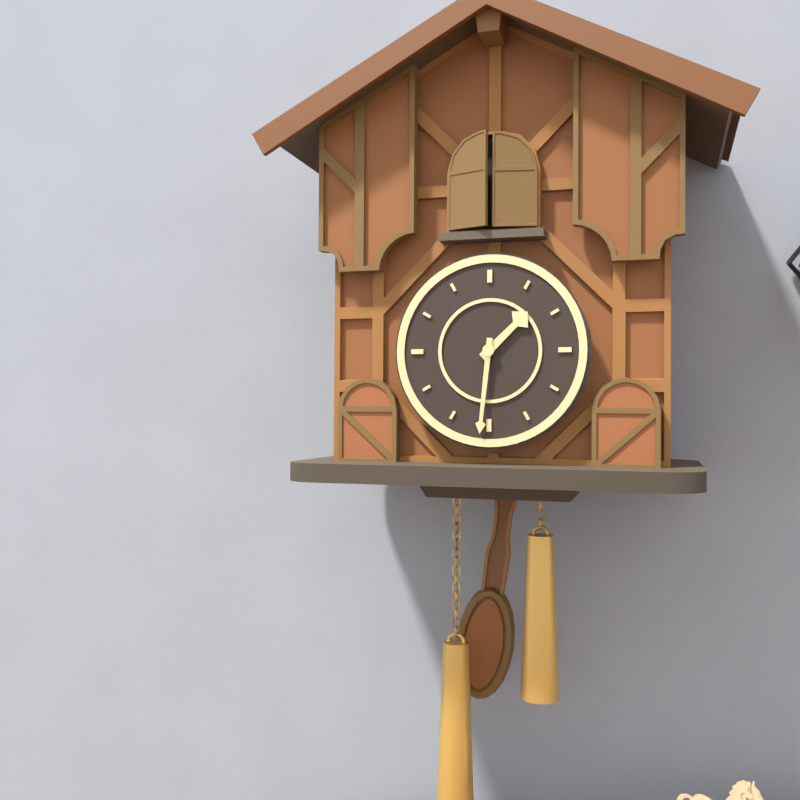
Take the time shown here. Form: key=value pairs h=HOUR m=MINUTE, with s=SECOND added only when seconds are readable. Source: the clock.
h=1 m=31
